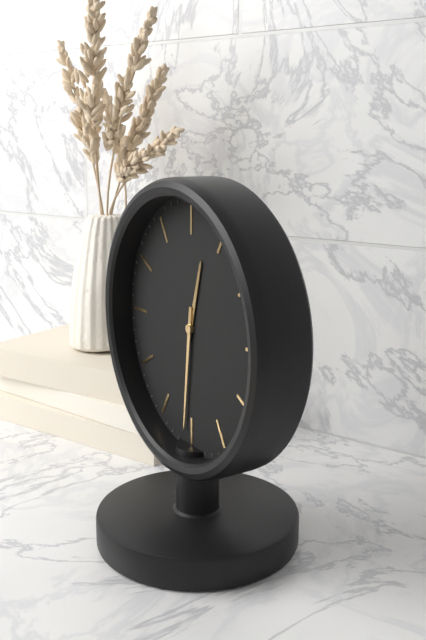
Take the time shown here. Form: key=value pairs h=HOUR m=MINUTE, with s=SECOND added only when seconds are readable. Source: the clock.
h=12 m=31
